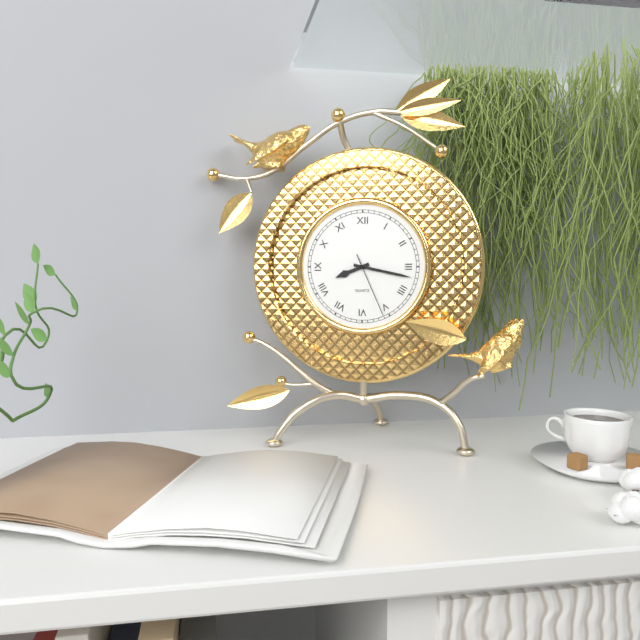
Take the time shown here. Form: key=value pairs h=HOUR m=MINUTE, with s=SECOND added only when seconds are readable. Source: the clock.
h=8 m=17 s=26
